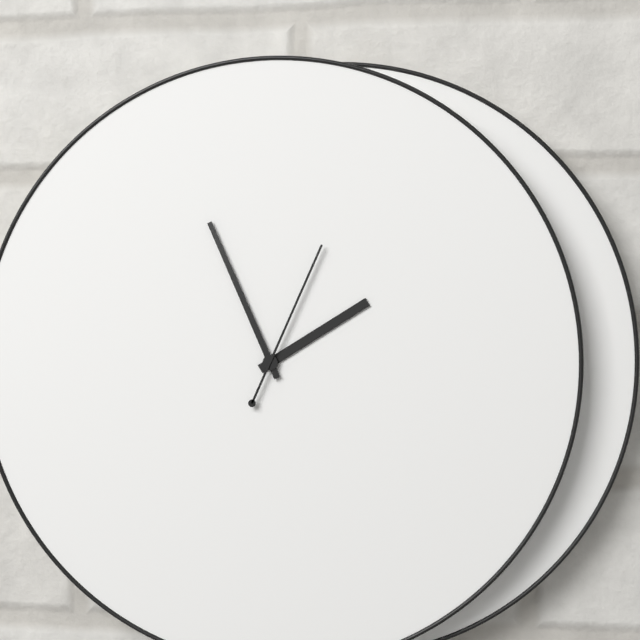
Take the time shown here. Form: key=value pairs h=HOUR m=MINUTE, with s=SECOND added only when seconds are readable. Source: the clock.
h=1 m=56 s=4
